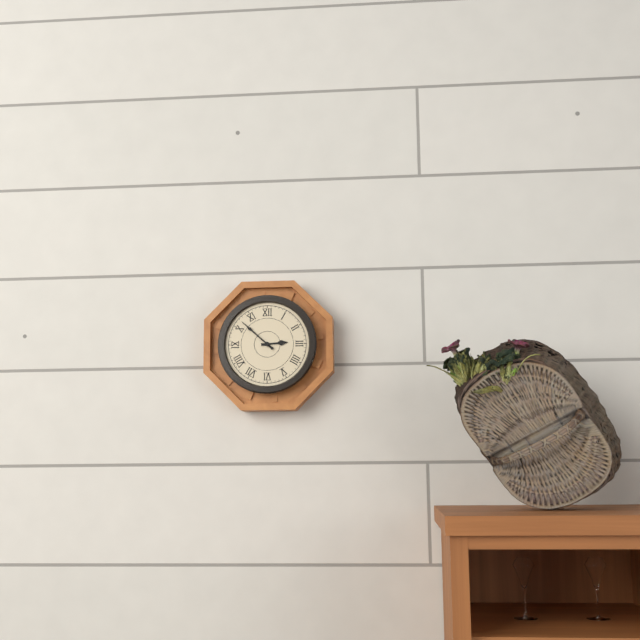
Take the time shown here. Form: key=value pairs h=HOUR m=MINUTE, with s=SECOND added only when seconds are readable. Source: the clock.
h=2 m=52
